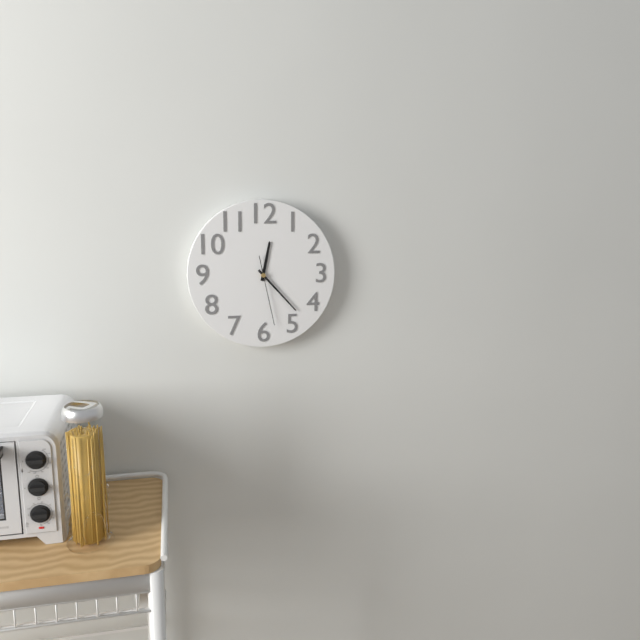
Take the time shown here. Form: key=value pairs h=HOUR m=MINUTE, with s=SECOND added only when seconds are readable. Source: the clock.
h=12 m=23 s=28
